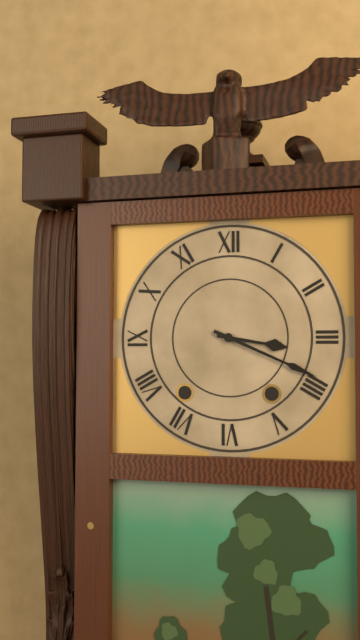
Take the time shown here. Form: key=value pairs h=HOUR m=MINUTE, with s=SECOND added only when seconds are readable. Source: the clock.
h=3 m=19
